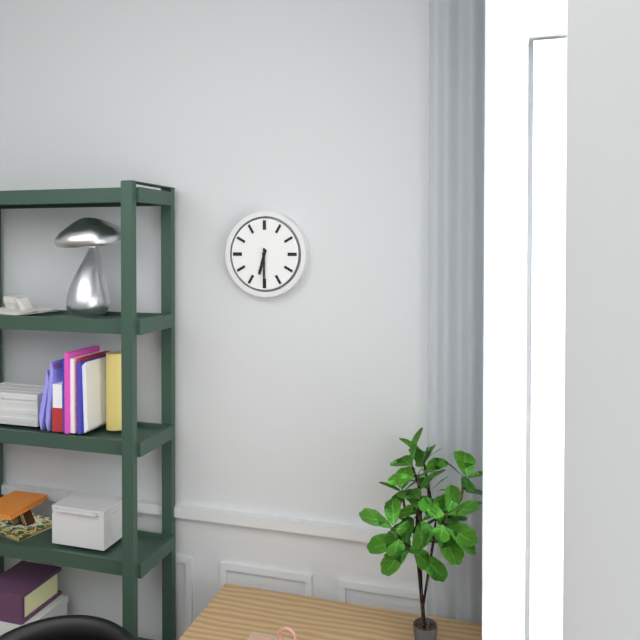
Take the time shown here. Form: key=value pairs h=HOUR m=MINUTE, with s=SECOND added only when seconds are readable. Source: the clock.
h=6 m=30
